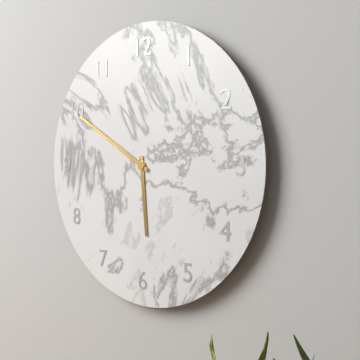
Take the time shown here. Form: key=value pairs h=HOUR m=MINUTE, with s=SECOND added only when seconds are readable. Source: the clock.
h=5 m=50
